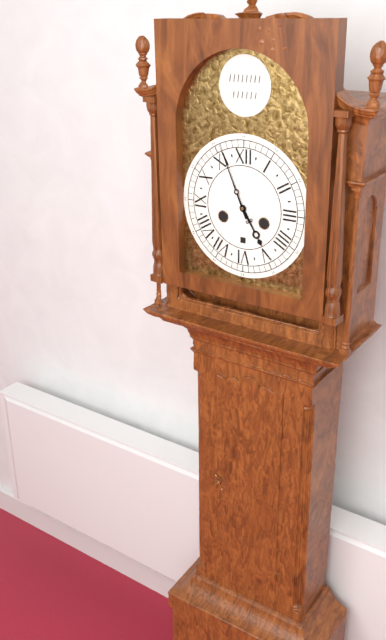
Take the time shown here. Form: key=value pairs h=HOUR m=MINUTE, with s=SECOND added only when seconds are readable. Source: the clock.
h=4 m=56
